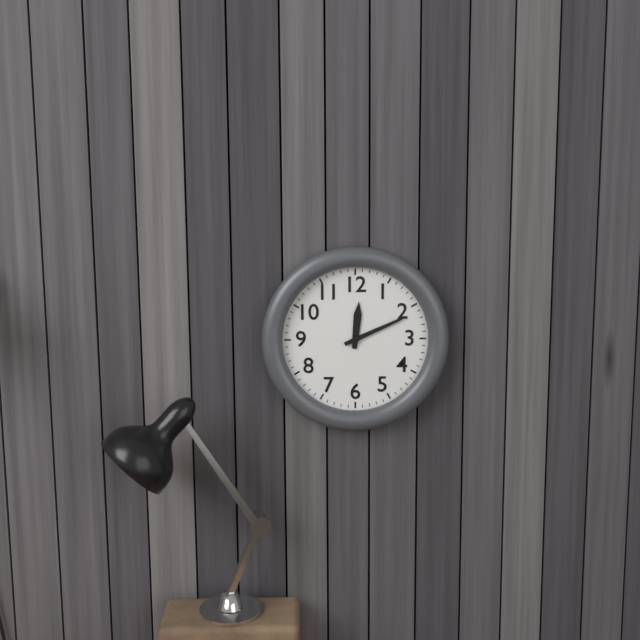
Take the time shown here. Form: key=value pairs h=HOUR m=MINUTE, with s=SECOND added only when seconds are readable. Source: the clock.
h=12 m=11
